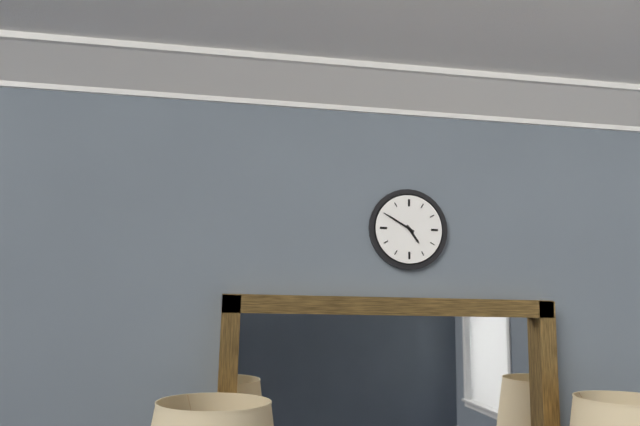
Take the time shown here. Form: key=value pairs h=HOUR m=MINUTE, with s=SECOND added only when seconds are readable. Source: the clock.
h=4 m=50
